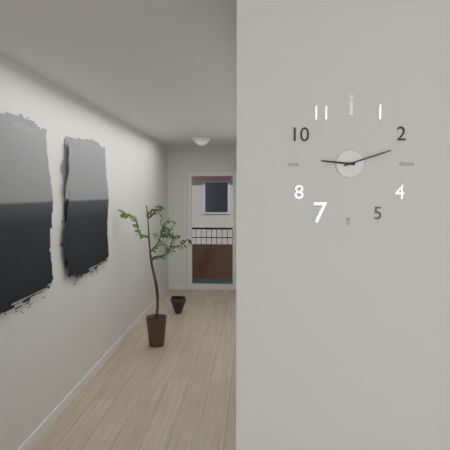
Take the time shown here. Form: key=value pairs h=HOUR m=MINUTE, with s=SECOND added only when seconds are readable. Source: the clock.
h=9 m=12
